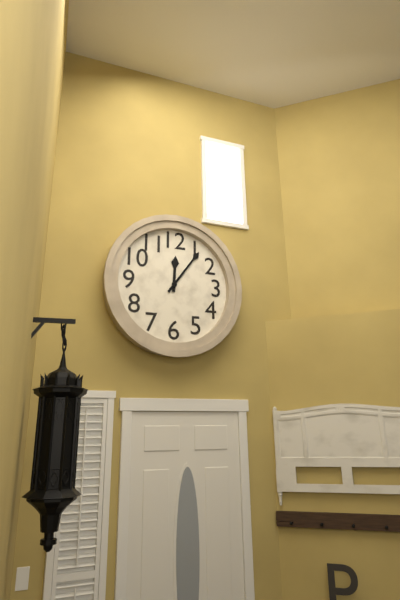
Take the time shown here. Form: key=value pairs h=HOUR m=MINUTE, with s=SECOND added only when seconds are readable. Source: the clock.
h=12 m=6
